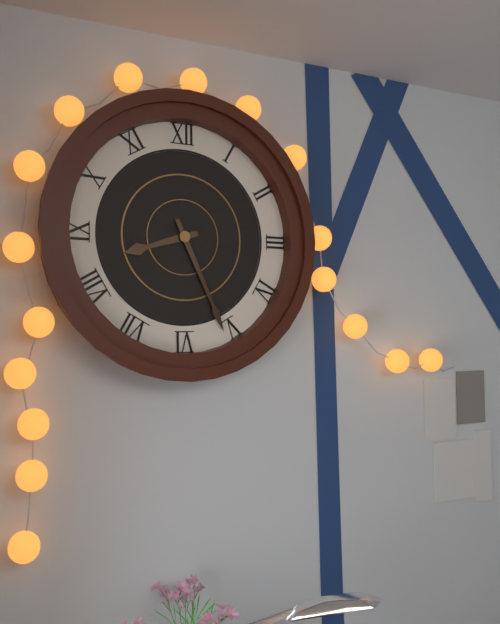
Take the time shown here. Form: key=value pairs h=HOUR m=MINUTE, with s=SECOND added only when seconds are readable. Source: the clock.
h=8 m=26
